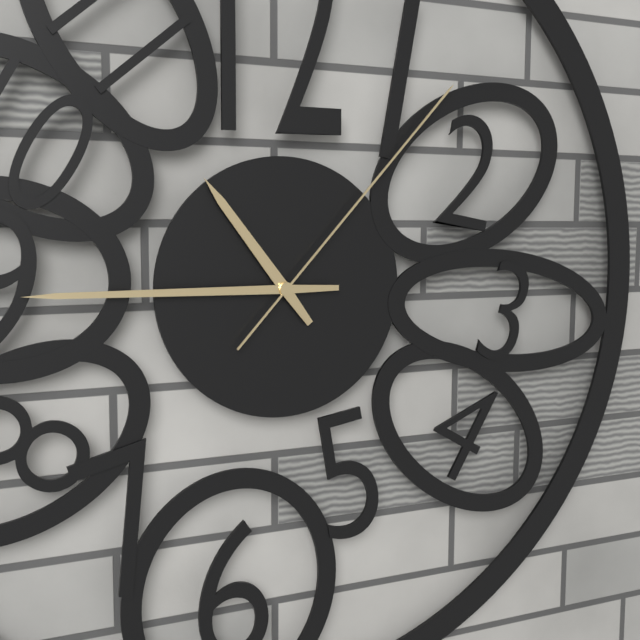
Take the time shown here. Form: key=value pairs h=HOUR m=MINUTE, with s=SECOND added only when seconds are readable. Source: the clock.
h=10 m=45 s=7
